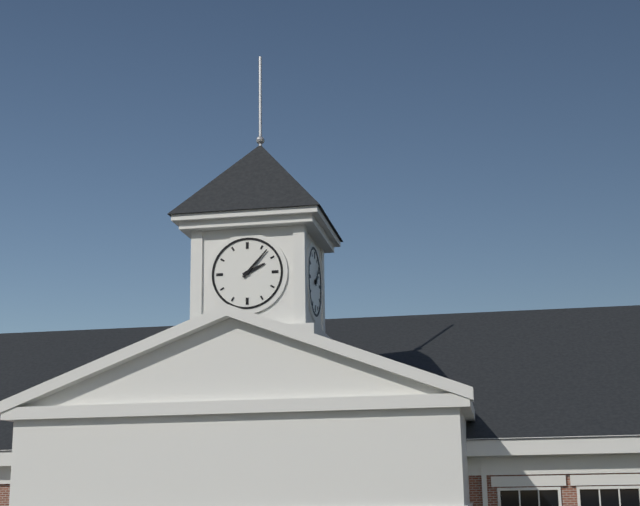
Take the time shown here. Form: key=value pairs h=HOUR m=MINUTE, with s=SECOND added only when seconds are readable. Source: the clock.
h=2 m=7
